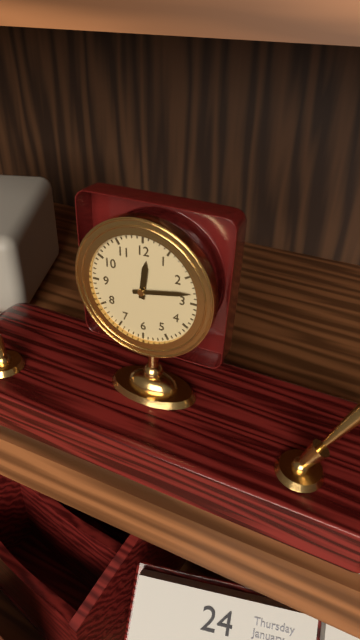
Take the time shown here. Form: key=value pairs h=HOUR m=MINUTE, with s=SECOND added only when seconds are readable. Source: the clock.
h=12 m=13
